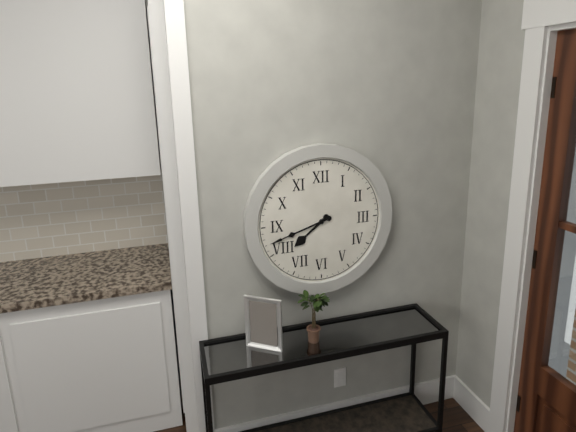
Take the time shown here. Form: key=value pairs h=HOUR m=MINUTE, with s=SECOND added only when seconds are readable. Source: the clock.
h=7 m=42
